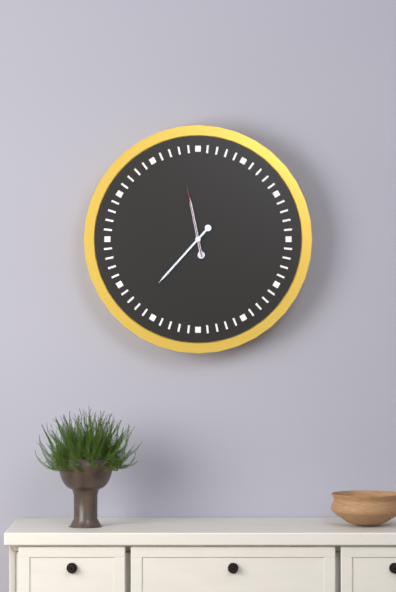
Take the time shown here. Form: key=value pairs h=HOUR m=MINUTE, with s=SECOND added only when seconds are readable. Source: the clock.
h=11 m=37 s=58
